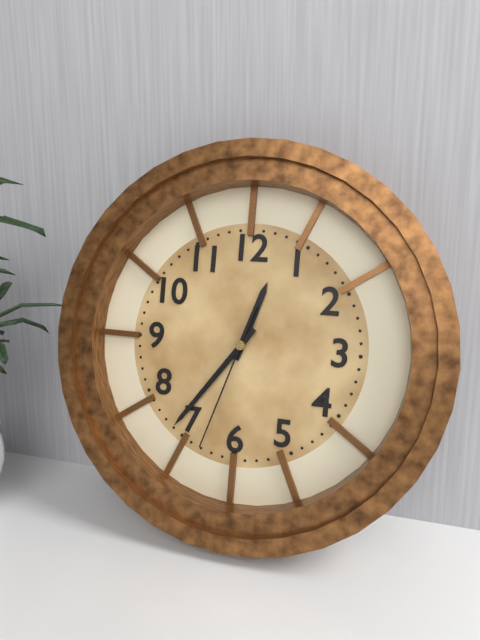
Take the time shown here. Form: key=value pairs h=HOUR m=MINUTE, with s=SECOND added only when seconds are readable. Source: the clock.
h=12 m=36 s=33
